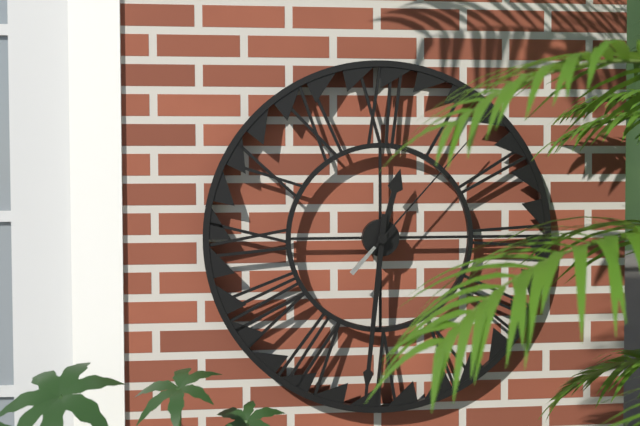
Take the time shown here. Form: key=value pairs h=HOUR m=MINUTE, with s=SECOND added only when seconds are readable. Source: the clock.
h=12 m=31 s=7
